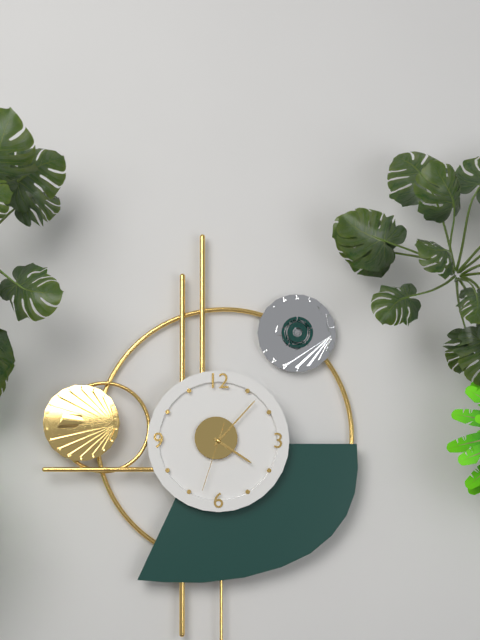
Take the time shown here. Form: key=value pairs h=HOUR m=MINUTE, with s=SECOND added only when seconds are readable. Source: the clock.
h=4 m=7 s=33
